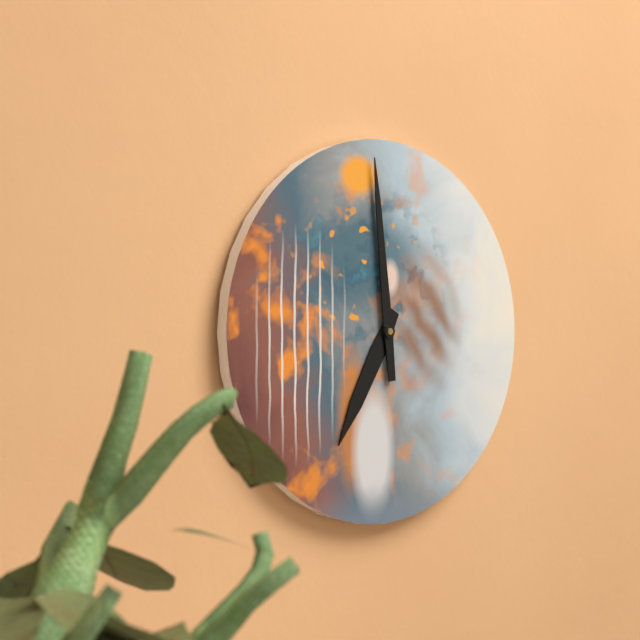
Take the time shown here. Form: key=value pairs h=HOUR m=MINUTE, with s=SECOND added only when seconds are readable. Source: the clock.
h=6 m=59
